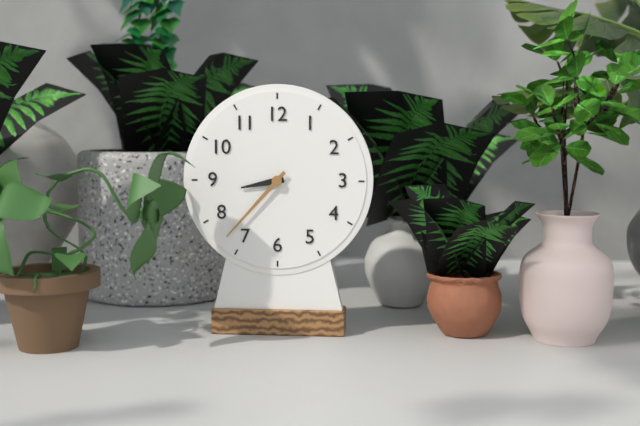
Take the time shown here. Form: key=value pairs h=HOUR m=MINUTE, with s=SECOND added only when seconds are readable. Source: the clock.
h=8 m=37
